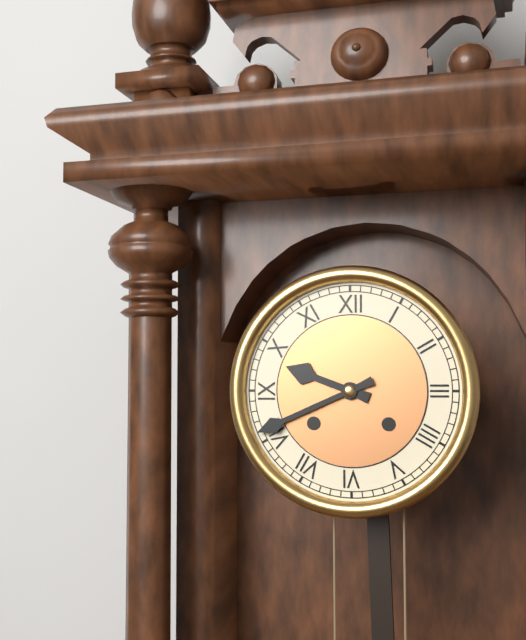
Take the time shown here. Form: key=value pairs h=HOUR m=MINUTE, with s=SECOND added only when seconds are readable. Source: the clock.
h=9 m=41
